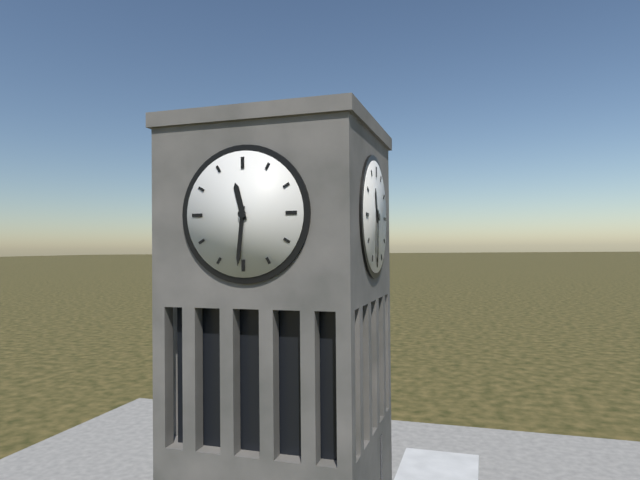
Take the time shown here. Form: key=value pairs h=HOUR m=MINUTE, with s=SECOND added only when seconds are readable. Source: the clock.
h=11 m=31
